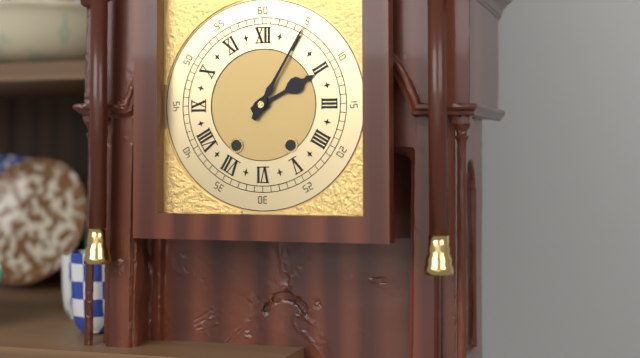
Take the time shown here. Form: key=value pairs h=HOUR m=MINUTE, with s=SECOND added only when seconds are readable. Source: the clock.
h=2 m=5
